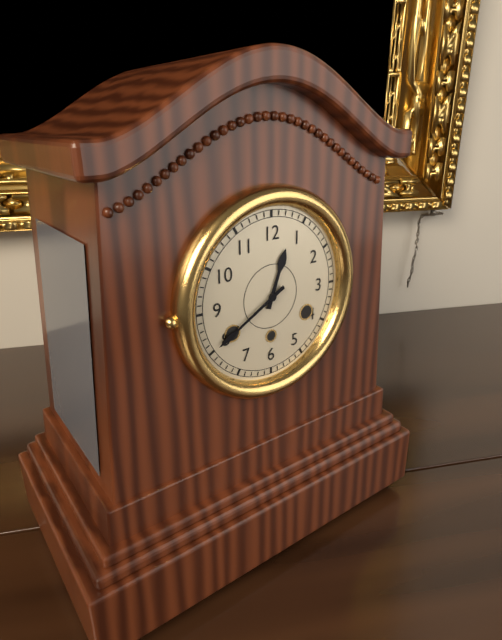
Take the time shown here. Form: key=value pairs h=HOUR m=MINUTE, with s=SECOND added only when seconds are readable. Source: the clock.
h=12 m=40
